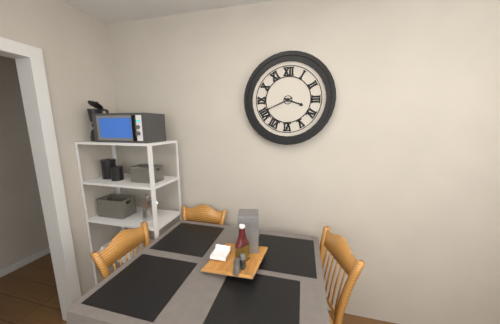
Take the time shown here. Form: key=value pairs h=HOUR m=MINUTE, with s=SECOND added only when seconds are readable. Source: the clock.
h=3 m=41
